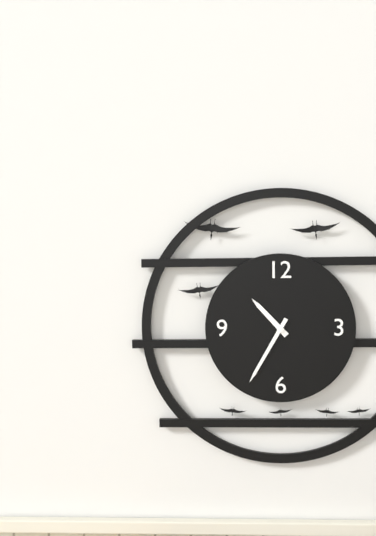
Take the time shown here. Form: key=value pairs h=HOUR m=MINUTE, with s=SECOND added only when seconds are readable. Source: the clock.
h=10 m=35
